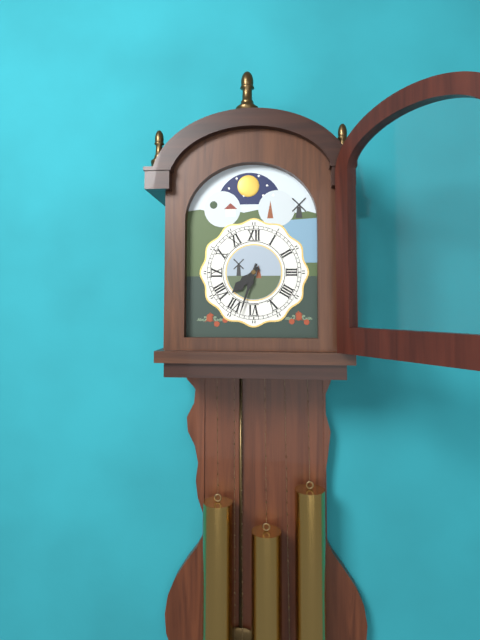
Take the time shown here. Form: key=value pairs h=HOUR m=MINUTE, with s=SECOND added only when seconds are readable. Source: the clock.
h=7 m=33
